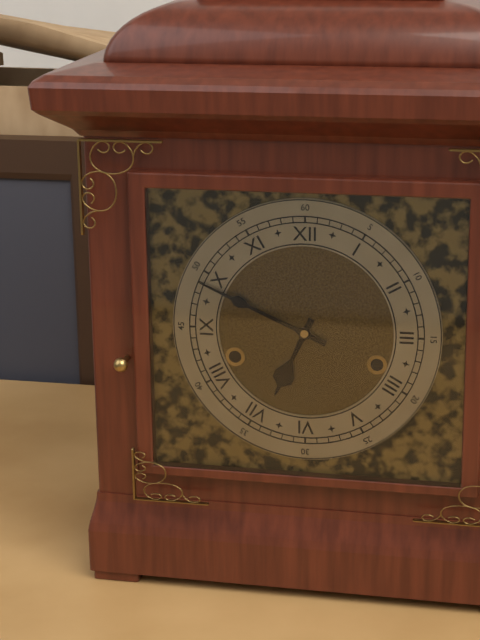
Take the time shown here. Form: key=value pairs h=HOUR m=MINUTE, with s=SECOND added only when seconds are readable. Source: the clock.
h=6 m=49
